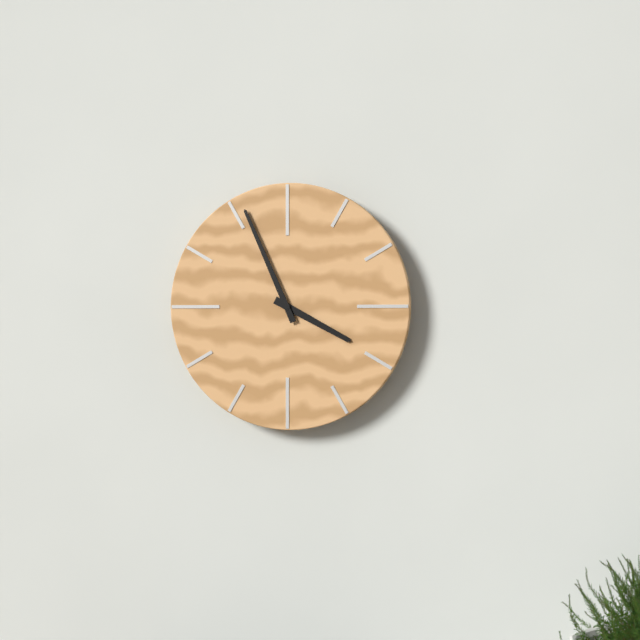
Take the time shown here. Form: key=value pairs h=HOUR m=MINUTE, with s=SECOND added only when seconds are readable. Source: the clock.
h=3 m=56
